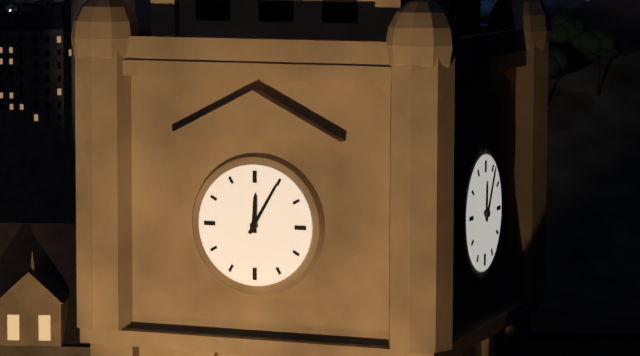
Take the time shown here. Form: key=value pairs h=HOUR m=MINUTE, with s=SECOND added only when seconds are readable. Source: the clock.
h=12 m=5
